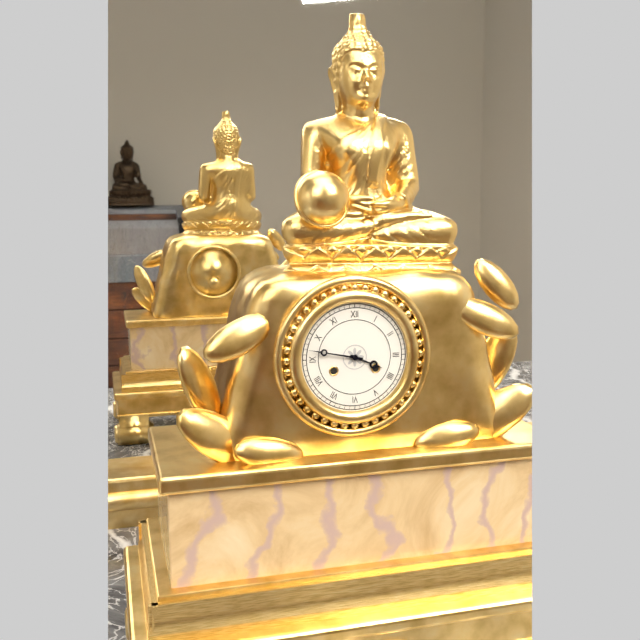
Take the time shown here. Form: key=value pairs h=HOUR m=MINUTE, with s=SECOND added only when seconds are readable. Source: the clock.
h=3 m=47
